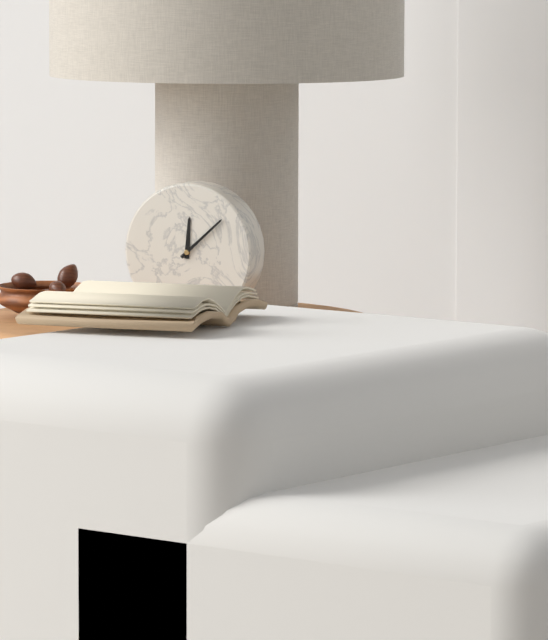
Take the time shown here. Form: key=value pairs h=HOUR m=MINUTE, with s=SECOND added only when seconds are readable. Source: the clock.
h=12 m=8
